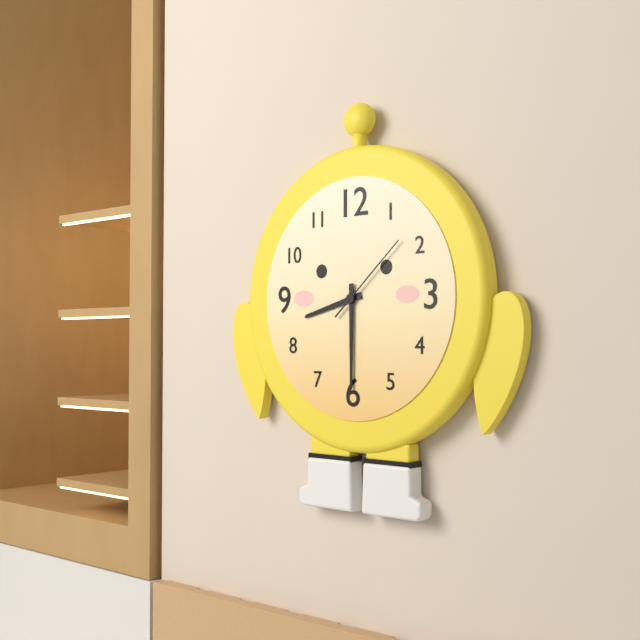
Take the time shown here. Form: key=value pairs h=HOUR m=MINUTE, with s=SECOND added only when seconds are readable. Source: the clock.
h=8 m=30 s=8
